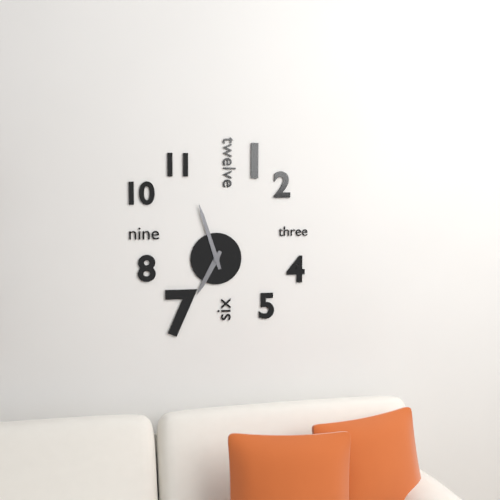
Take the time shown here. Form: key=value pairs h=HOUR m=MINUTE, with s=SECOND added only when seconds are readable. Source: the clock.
h=6 m=57
